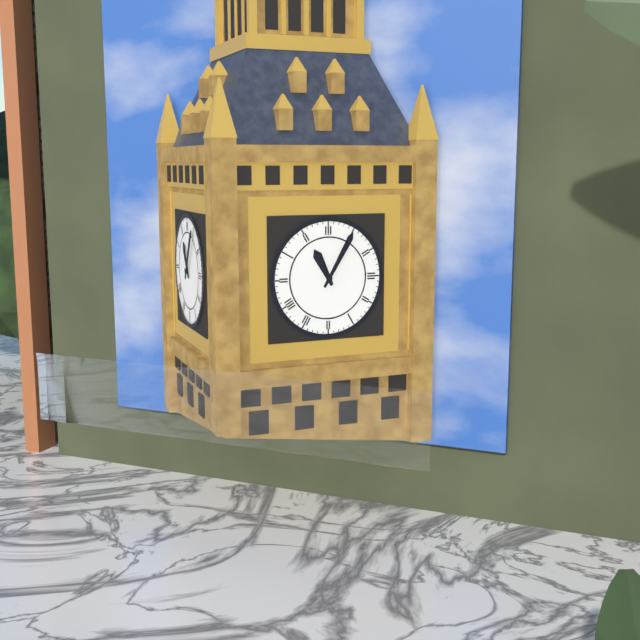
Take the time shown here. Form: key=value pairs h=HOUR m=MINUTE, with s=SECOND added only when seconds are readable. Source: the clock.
h=11 m=5
